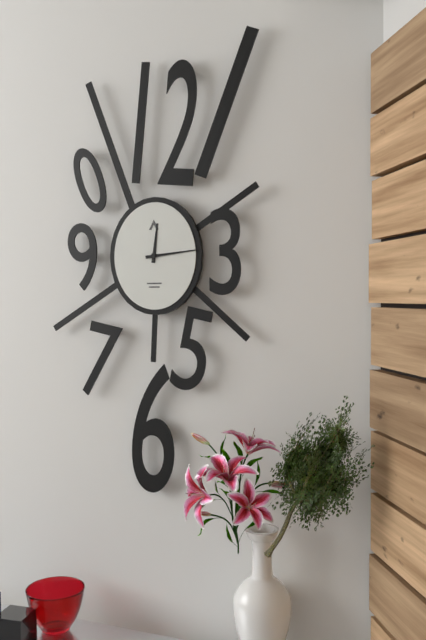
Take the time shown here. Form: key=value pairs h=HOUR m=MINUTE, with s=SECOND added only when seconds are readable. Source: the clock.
h=12 m=14
